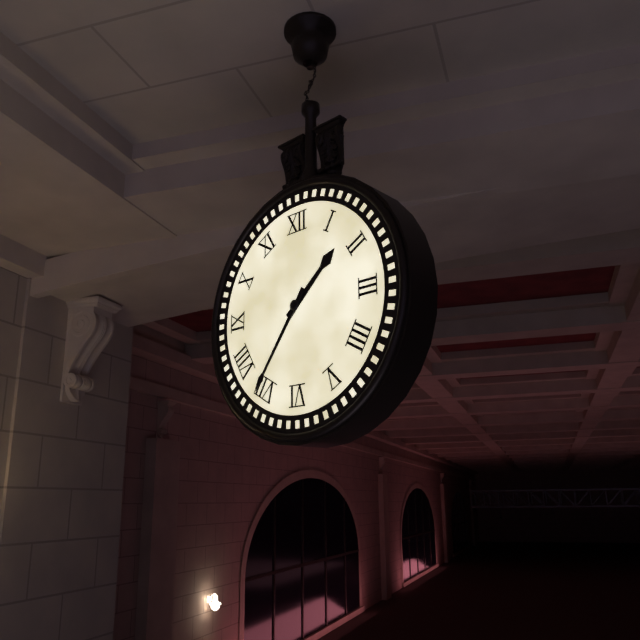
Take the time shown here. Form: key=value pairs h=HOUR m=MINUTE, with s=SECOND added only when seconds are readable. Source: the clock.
h=1 m=36
